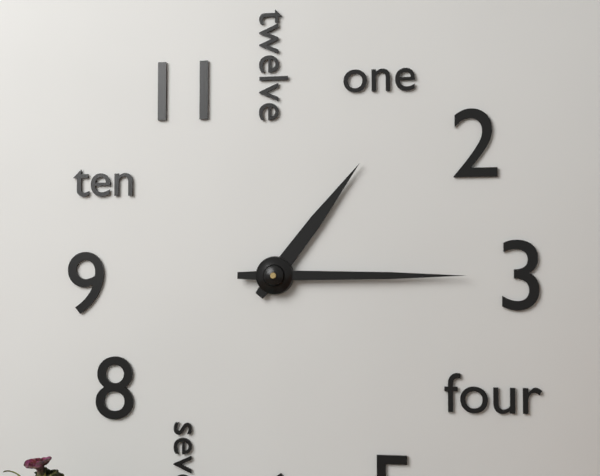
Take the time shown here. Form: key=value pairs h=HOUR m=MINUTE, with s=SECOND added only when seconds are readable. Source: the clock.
h=1 m=15
